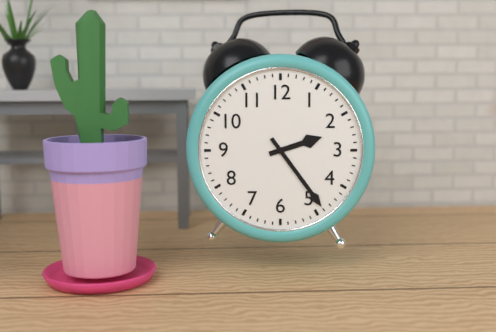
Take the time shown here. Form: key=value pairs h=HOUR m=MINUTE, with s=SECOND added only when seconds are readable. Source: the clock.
h=2 m=24
